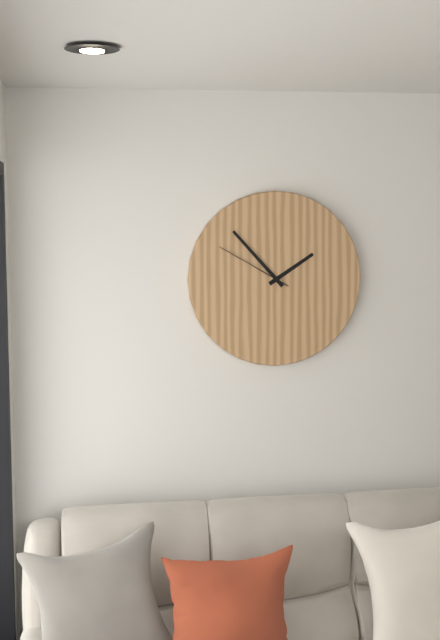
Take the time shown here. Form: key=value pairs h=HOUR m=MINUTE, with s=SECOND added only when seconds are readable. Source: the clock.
h=1 m=53 s=50
